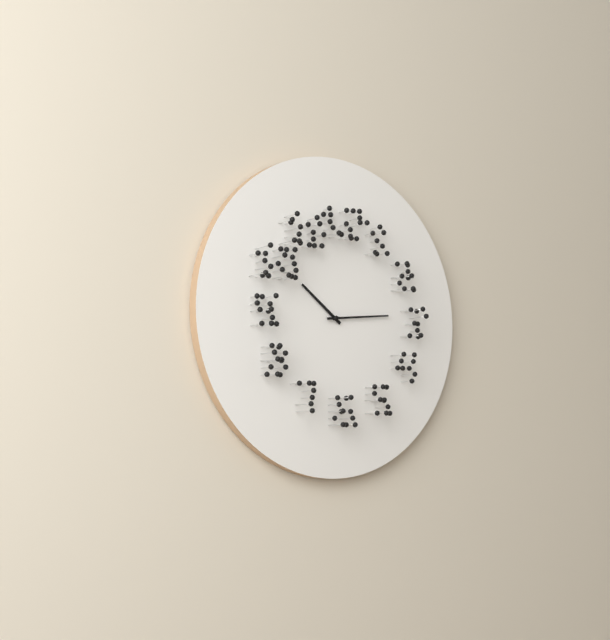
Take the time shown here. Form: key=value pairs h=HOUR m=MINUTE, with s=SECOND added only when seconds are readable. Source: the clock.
h=10 m=14
